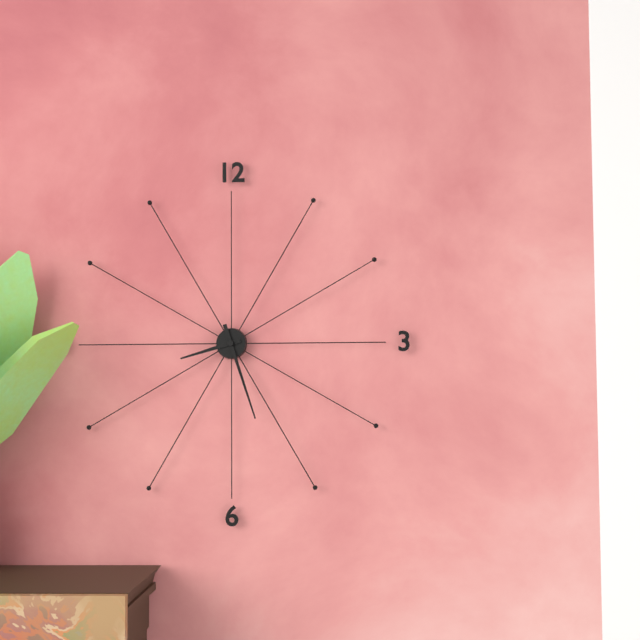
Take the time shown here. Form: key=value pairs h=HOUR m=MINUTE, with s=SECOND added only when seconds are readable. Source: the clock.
h=8 m=27
